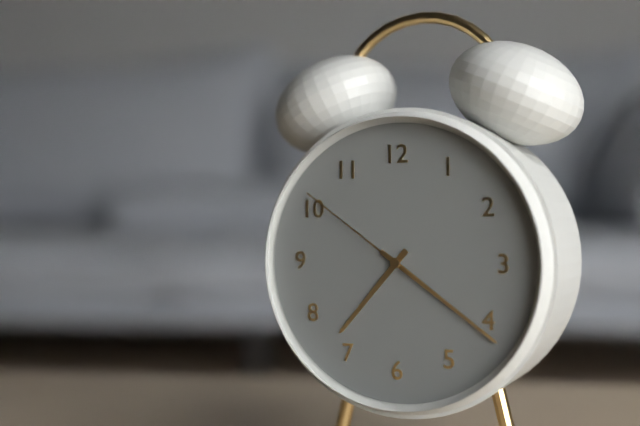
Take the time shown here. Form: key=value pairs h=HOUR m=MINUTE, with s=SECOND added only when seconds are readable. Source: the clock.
h=7 m=21 s=51
